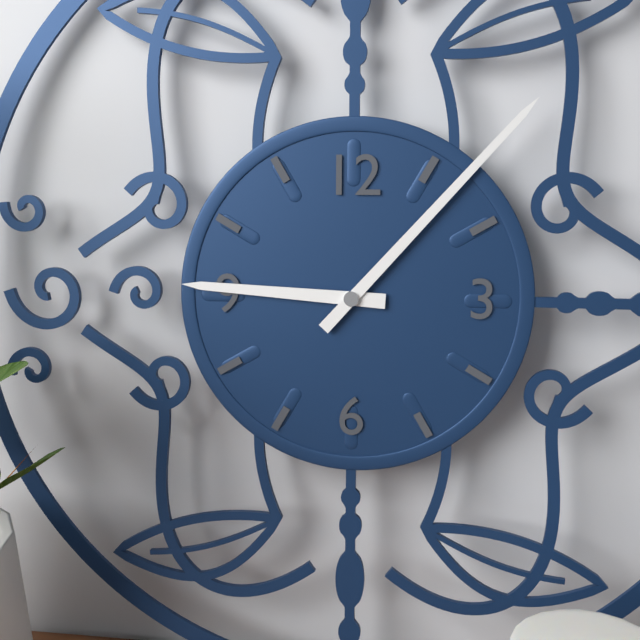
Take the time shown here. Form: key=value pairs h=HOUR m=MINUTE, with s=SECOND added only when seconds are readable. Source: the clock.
h=9 m=7
